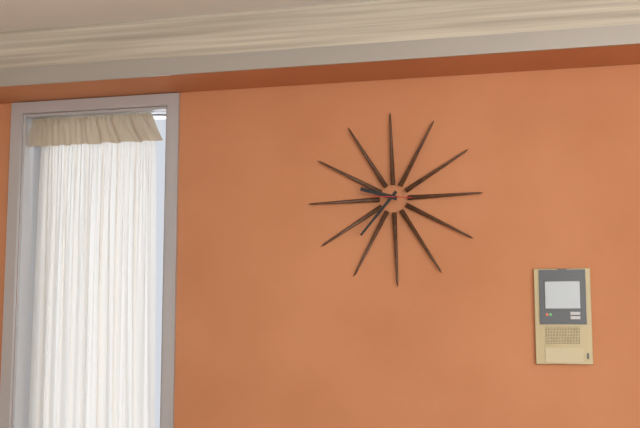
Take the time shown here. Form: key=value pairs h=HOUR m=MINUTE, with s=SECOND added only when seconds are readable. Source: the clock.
h=9 m=37
